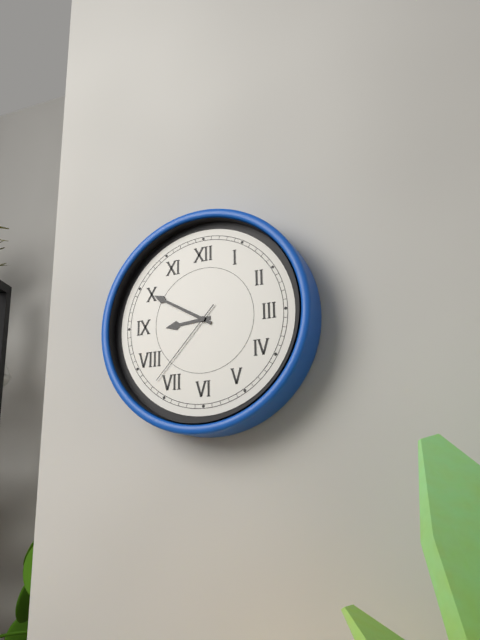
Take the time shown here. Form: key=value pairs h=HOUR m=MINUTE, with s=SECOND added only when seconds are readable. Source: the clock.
h=8 m=50 s=37
